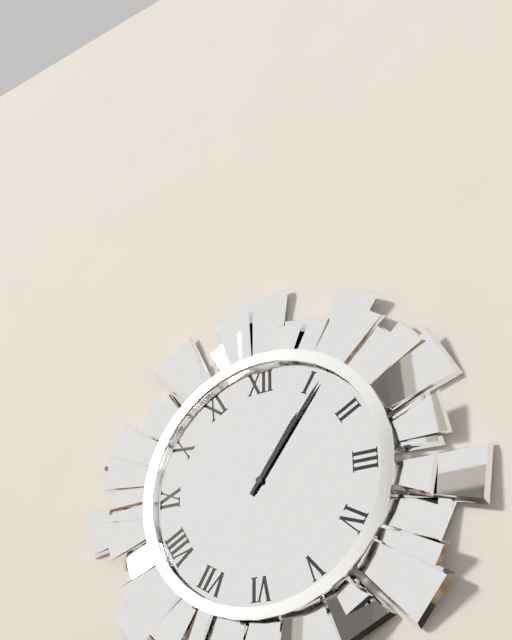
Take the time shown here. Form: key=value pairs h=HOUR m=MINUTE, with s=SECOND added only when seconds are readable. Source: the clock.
h=1 m=6
